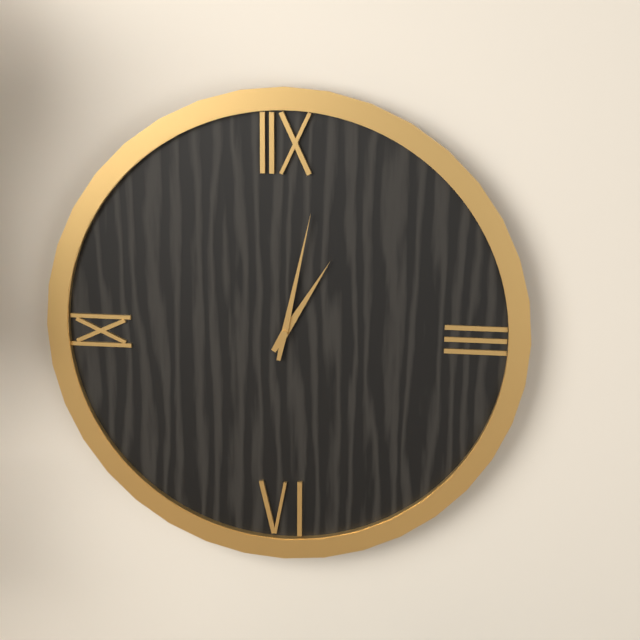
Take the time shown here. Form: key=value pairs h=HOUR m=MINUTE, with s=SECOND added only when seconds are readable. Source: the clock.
h=1 m=2
